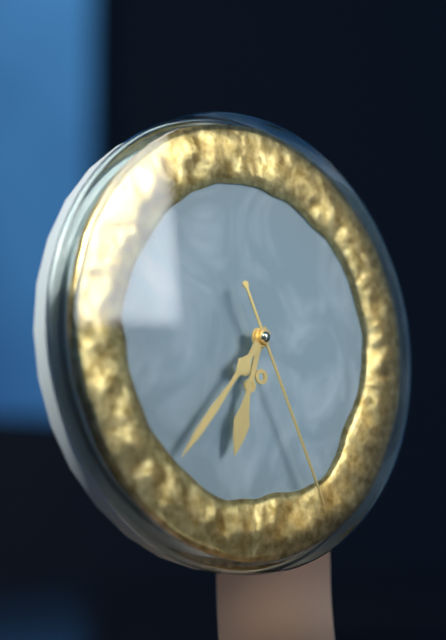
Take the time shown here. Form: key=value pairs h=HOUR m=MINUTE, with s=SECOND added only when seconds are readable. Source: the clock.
h=6 m=37 s=26
